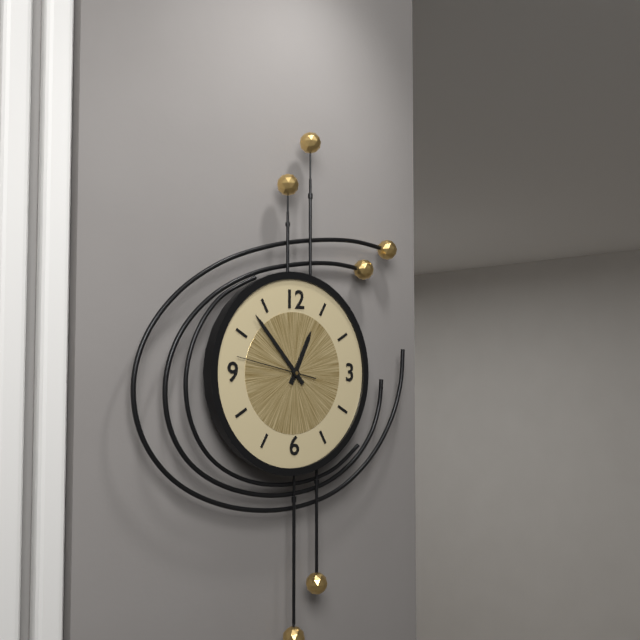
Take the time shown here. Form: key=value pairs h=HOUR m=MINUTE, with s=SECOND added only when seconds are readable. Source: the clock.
h=12 m=53 s=47
